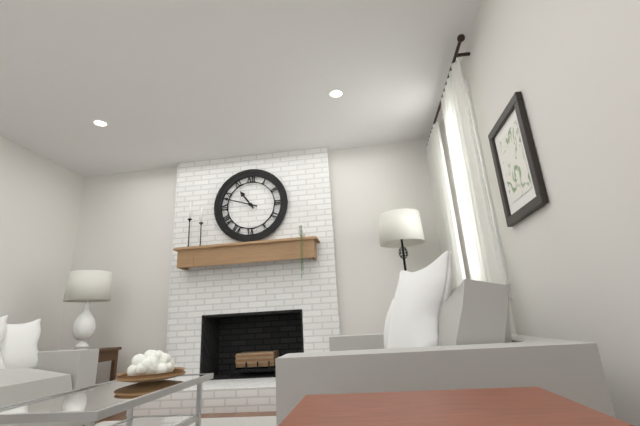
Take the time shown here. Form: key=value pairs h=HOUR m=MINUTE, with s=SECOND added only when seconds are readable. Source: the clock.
h=10 m=48
